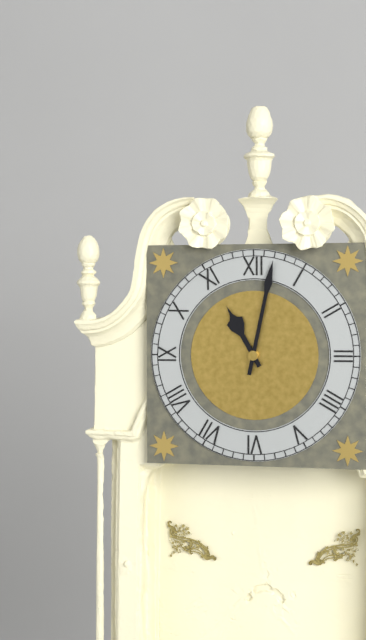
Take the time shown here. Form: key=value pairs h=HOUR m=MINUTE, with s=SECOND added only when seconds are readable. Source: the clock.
h=11 m=2
